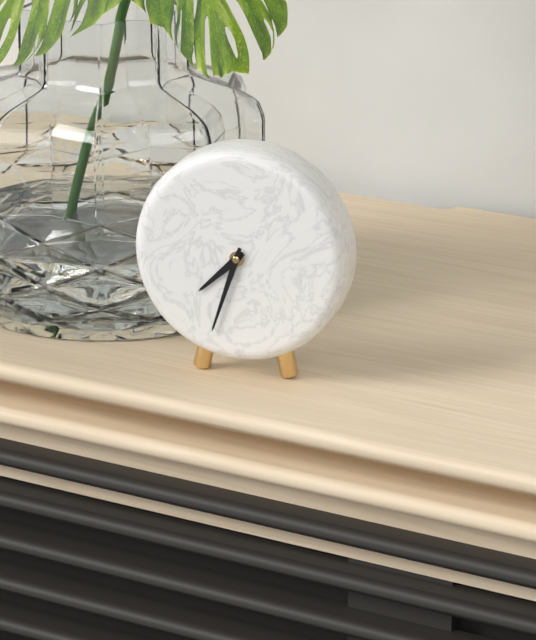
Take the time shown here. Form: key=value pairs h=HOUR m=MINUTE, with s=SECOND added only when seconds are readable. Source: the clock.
h=7 m=33
